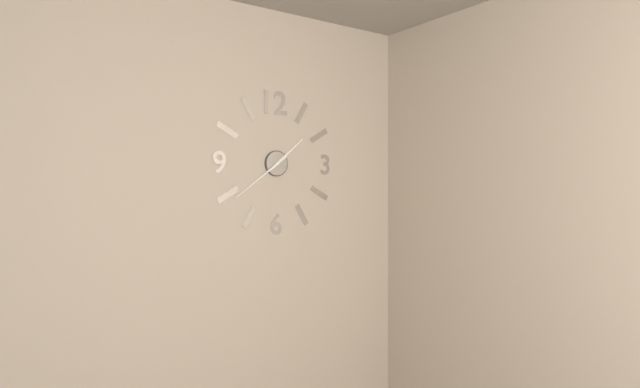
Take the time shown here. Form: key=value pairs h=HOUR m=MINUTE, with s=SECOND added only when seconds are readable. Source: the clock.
h=1 m=39
